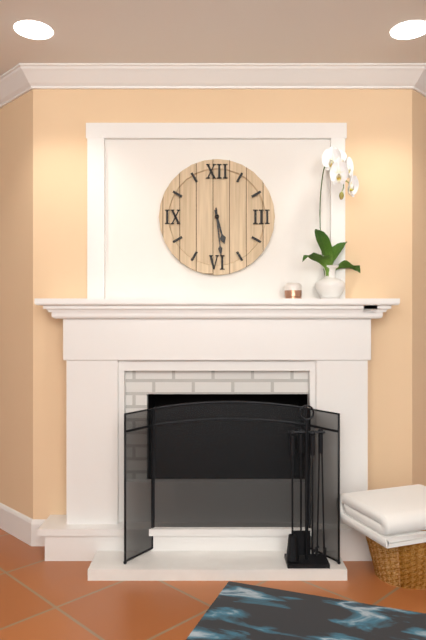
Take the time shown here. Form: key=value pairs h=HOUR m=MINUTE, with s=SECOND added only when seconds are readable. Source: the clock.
h=5 m=29
